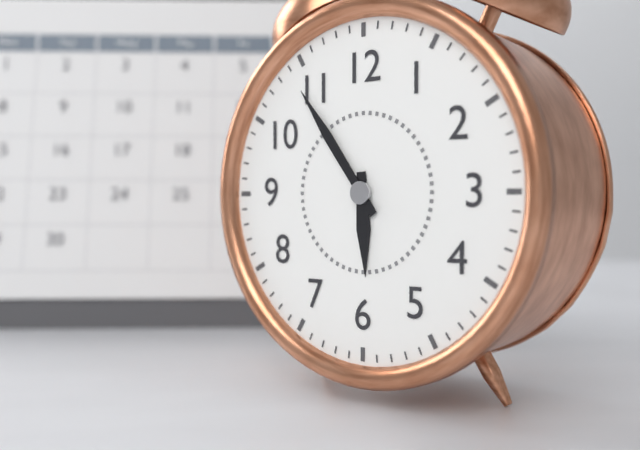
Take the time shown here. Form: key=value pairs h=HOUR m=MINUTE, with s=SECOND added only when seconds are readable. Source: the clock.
h=5 m=54
